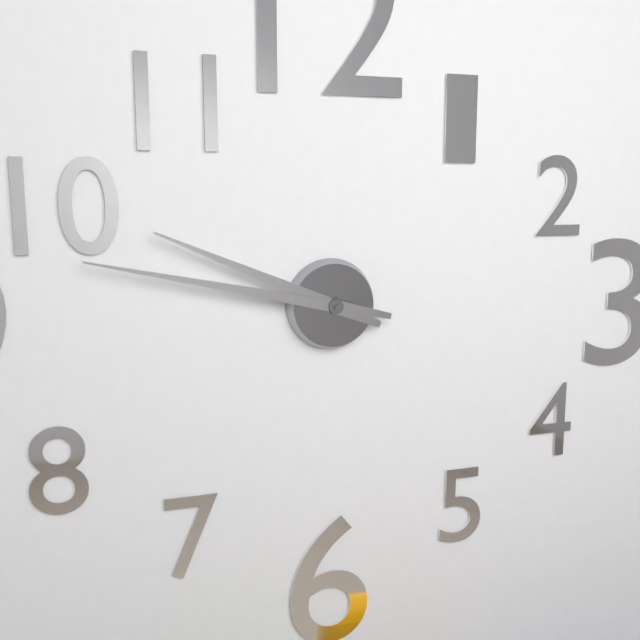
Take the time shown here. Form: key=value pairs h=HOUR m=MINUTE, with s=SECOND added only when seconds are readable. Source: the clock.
h=9 m=47
